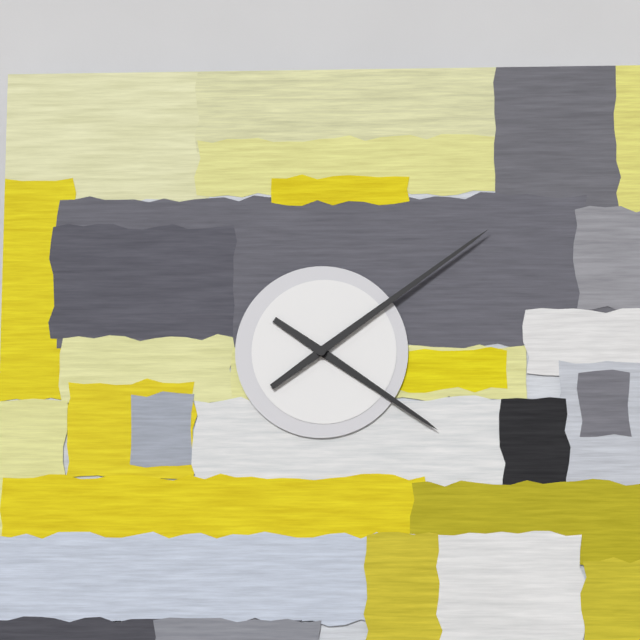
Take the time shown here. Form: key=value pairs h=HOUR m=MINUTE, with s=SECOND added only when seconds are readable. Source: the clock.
h=4 m=9
